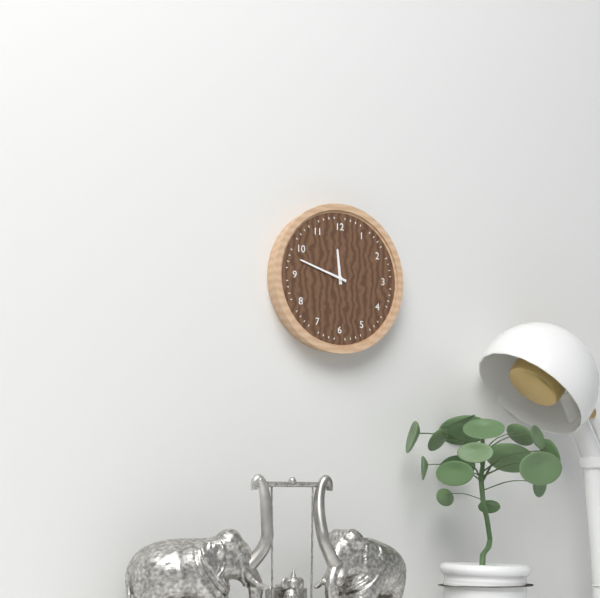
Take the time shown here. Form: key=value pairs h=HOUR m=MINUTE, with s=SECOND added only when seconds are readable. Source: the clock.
h=11 m=48
